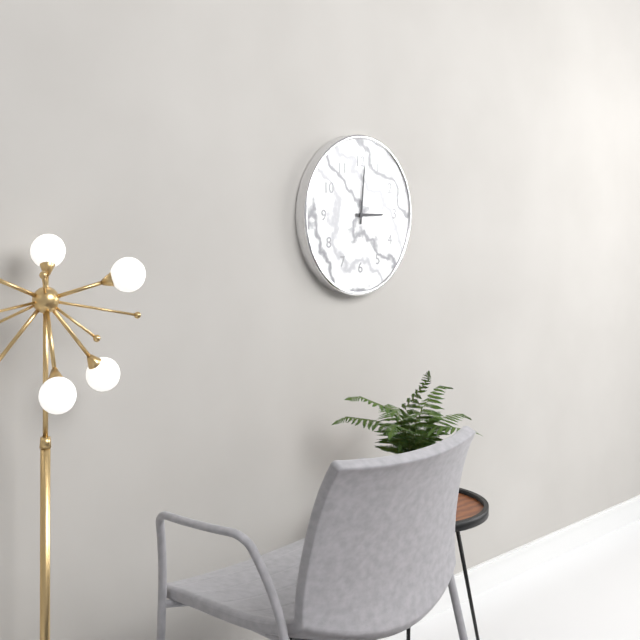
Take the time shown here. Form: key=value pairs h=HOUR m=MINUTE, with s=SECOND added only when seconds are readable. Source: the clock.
h=3 m=1
